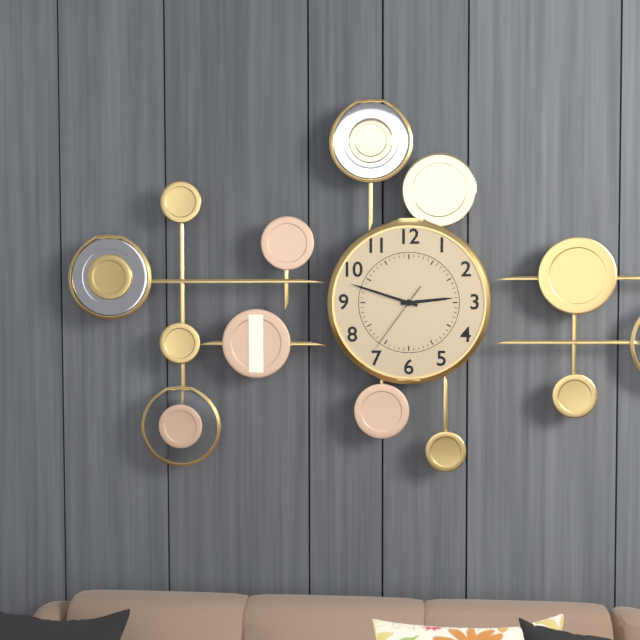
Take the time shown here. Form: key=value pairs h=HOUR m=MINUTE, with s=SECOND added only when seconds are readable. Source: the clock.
h=2 m=48 s=36
